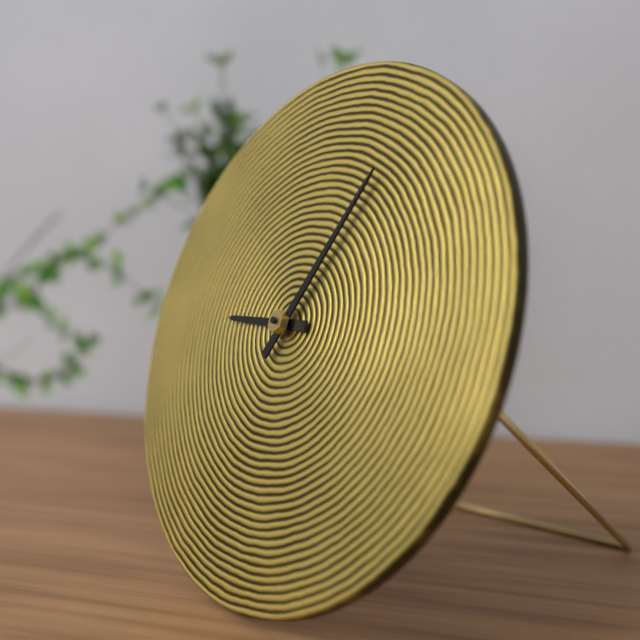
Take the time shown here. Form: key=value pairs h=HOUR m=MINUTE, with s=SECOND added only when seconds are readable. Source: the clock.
h=9 m=5
